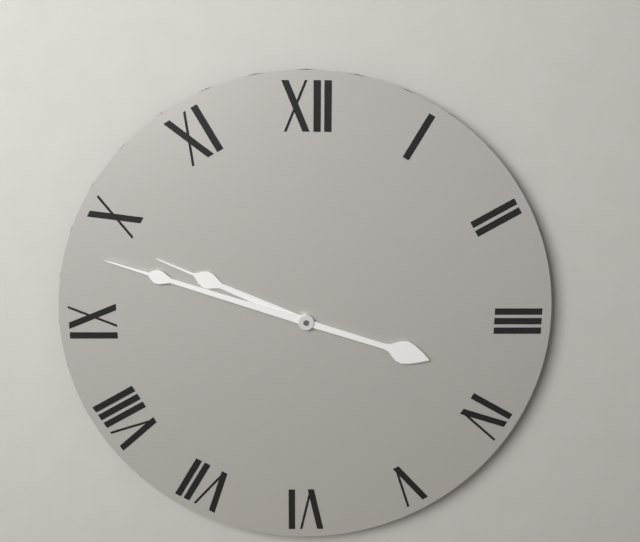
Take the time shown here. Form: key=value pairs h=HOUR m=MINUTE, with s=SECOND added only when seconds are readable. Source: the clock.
h=9 m=48
